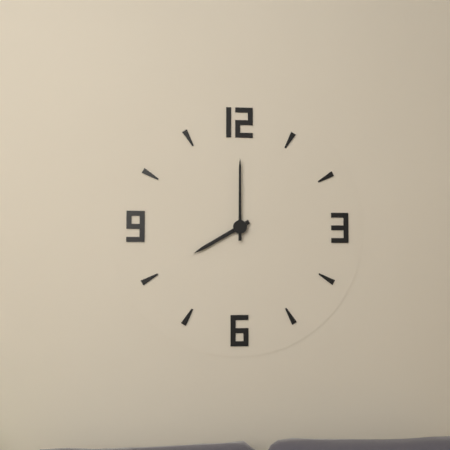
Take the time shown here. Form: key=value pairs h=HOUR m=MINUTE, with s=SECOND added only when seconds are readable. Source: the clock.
h=8 m=0
